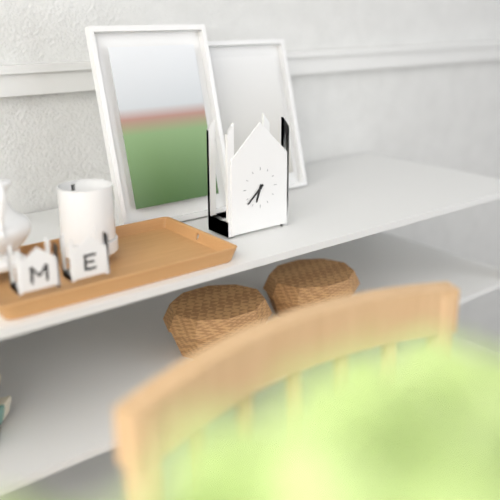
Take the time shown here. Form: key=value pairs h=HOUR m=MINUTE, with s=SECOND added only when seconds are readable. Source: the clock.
h=6 m=38
